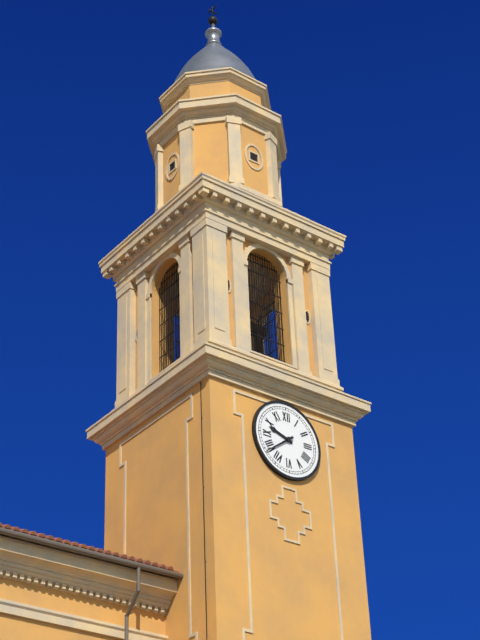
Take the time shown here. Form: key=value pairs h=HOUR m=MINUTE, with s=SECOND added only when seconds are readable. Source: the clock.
h=9 m=39
